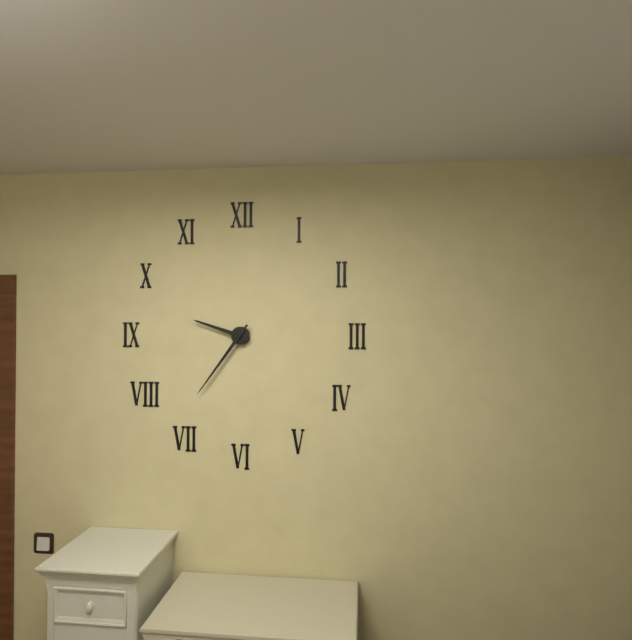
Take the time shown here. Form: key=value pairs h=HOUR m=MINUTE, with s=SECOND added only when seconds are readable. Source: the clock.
h=9 m=36
